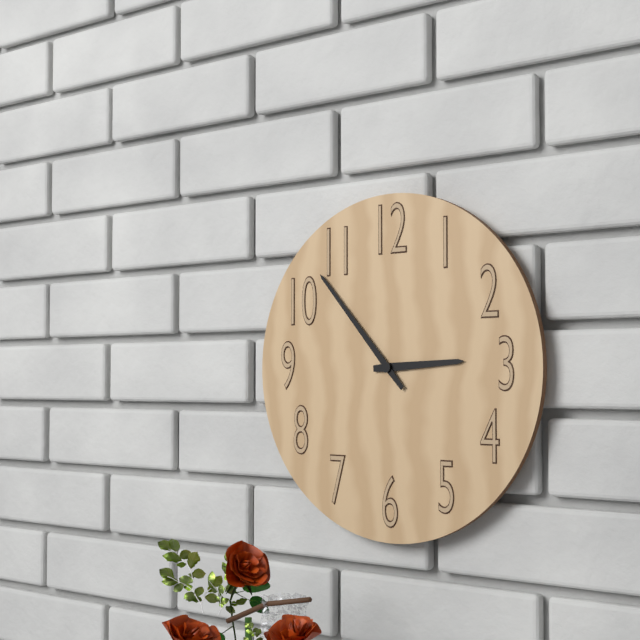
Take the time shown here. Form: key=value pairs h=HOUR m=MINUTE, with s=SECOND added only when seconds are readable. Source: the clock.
h=2 m=53
